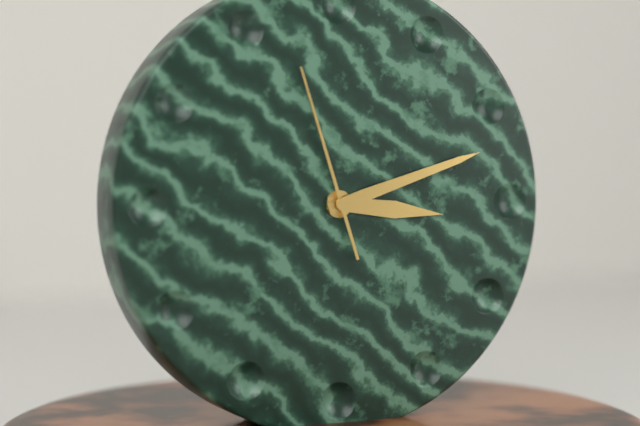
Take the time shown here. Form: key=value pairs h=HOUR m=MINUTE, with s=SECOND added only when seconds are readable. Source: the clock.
h=3 m=12 s=57
